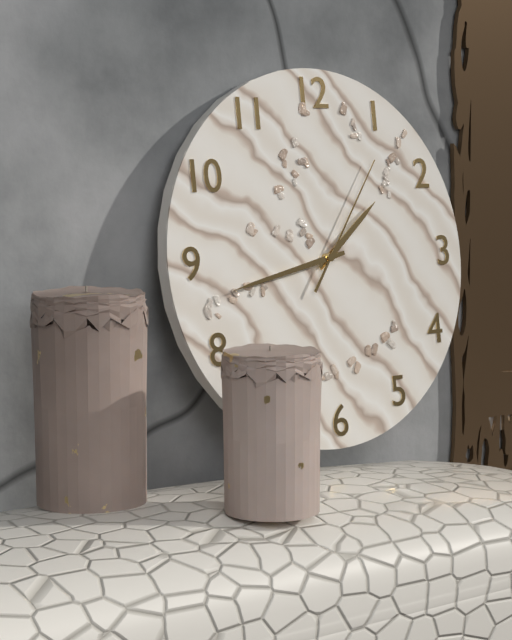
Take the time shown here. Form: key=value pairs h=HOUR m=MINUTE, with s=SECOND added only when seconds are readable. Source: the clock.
h=1 m=43 s=6
